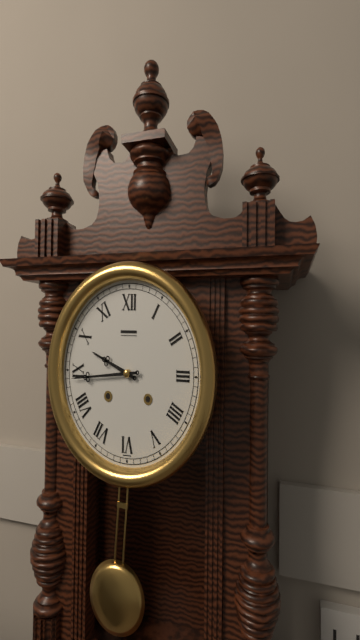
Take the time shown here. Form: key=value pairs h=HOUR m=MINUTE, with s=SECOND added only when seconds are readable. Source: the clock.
h=9 m=44
